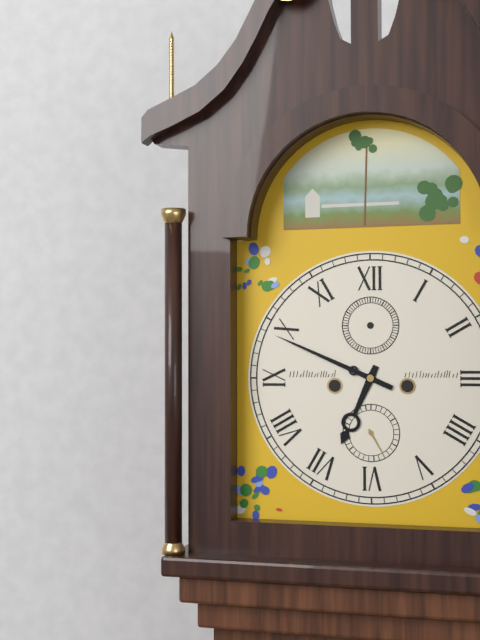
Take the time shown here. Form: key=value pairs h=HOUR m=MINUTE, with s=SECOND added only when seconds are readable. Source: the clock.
h=6 m=49
